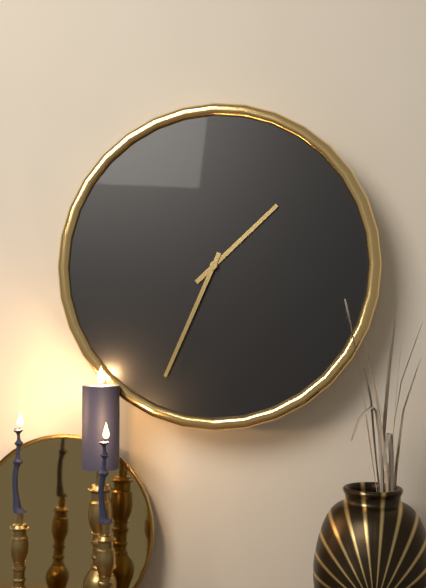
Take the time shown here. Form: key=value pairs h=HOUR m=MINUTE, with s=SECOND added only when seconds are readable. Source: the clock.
h=1 m=34
